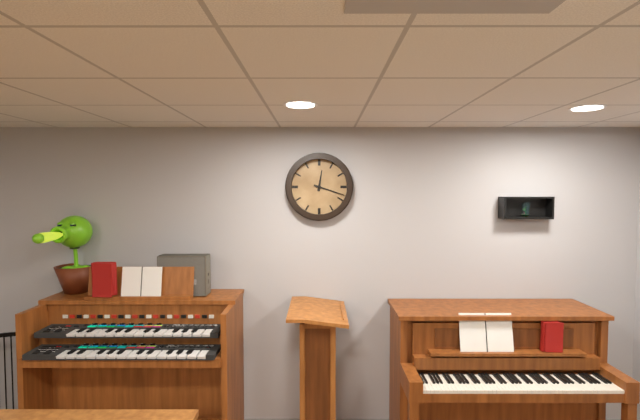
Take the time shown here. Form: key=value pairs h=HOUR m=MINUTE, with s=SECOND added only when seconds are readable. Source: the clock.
h=12 m=18
